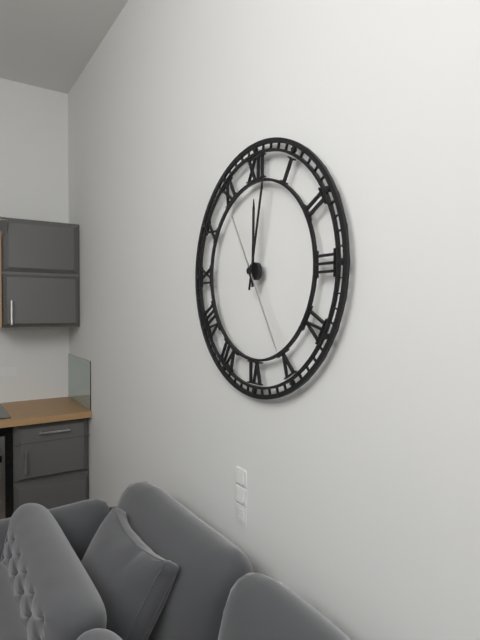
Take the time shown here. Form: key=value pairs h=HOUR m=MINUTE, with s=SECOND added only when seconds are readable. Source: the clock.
h=12 m=2 s=25
